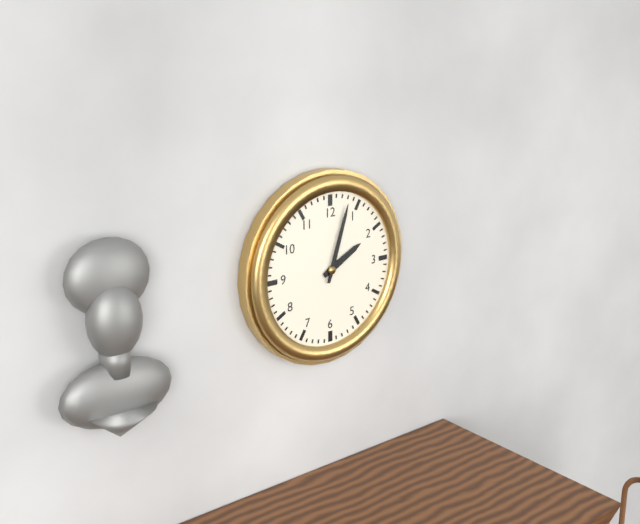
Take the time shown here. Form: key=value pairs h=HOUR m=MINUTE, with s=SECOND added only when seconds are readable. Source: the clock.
h=2 m=3
